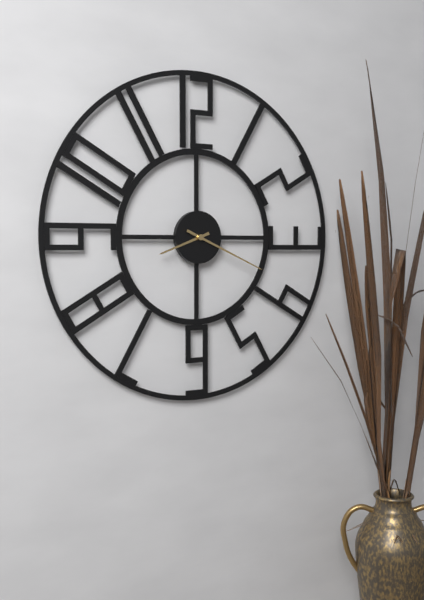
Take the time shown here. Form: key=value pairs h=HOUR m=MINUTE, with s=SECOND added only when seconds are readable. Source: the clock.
h=8 m=19
